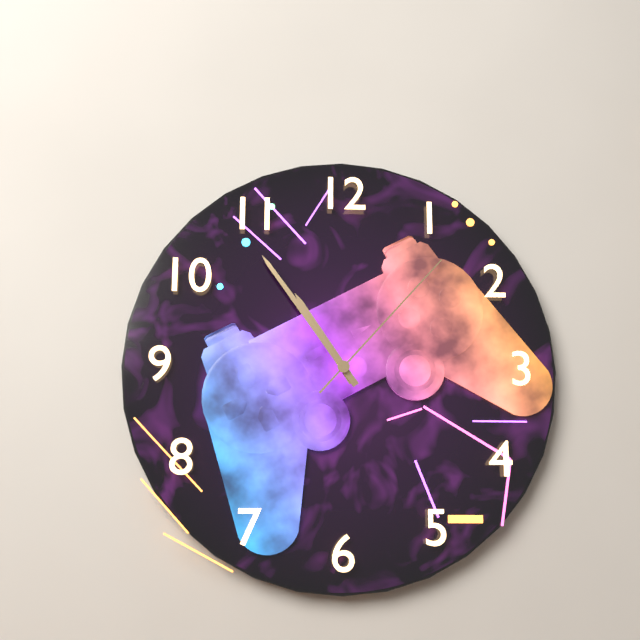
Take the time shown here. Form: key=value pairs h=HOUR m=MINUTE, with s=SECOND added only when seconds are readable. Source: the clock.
h=10 m=54 s=7
